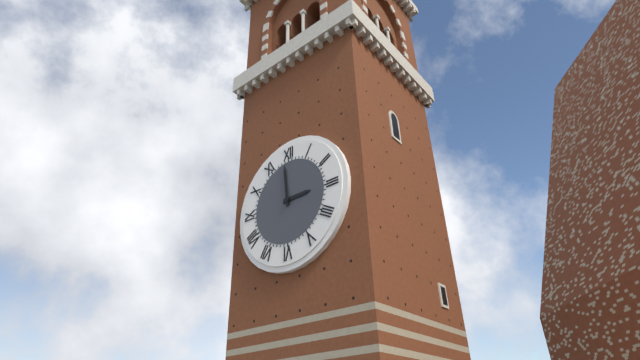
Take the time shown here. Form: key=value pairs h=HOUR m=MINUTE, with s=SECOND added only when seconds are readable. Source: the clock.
h=2 m=59
